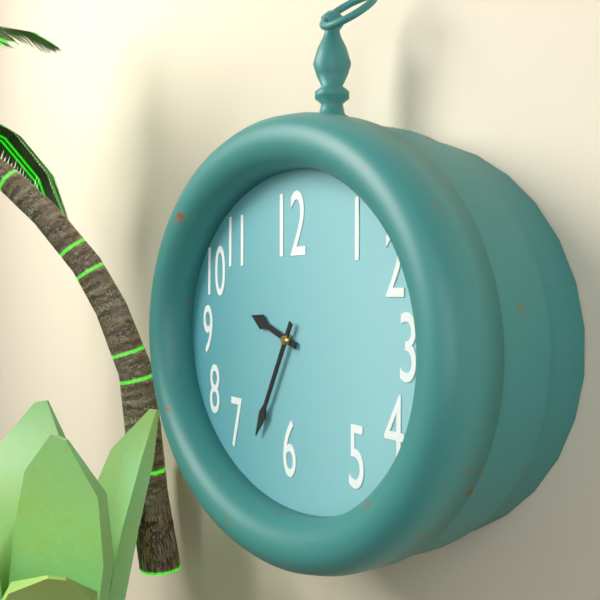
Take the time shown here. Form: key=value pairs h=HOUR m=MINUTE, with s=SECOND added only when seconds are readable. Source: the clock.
h=9 m=35
